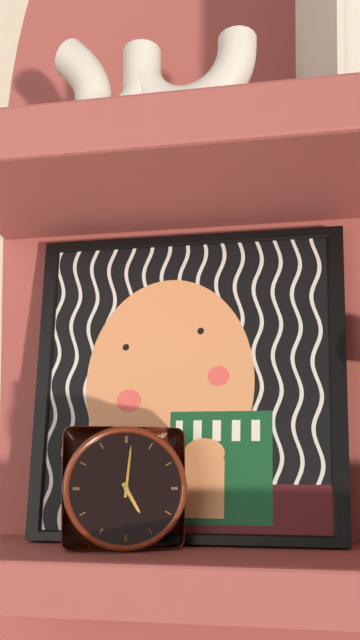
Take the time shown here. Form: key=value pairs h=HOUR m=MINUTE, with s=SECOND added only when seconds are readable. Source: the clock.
h=5 m=1
